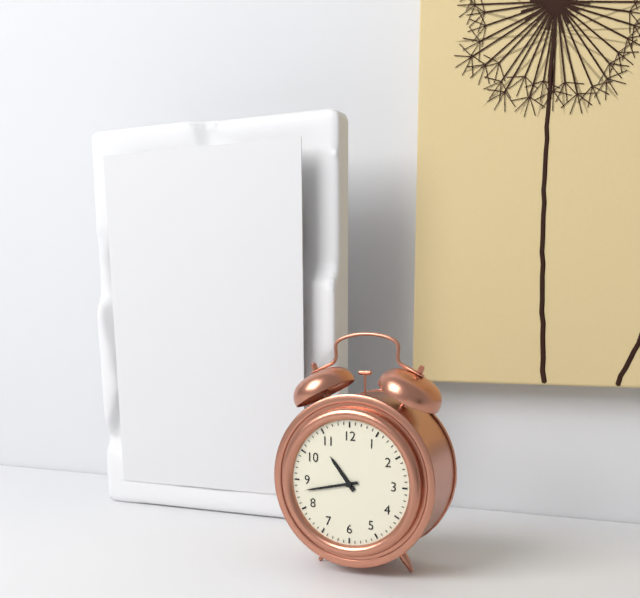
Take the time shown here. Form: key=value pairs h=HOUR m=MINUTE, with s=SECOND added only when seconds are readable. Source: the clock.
h=10 m=43
